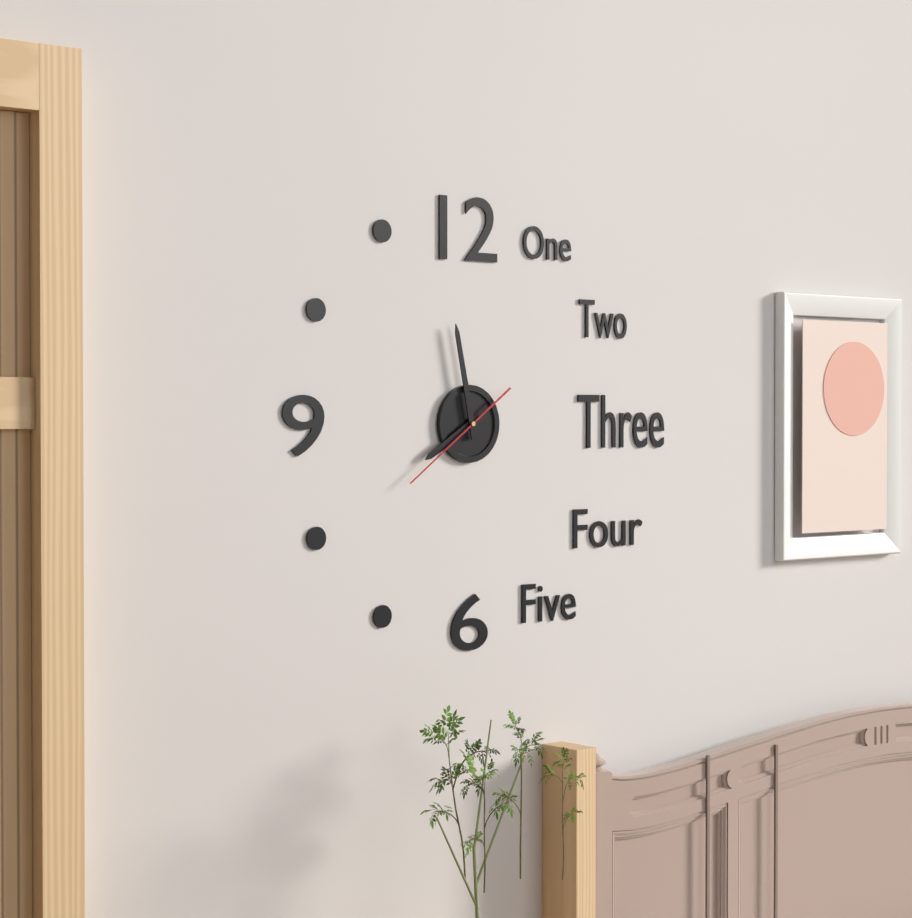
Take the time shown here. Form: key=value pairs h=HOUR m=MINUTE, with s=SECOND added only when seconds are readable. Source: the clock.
h=7 m=58 s=39
